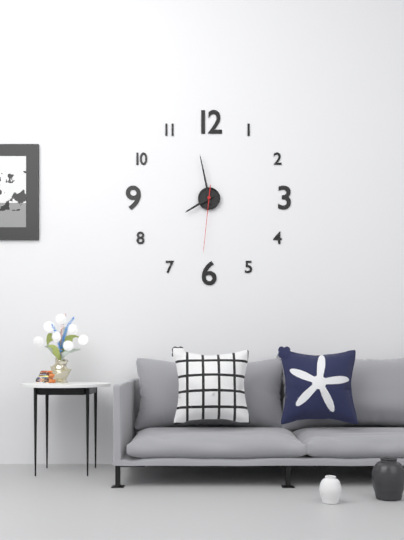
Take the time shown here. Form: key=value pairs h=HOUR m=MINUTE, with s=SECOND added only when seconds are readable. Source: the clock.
h=7 m=58 s=31
